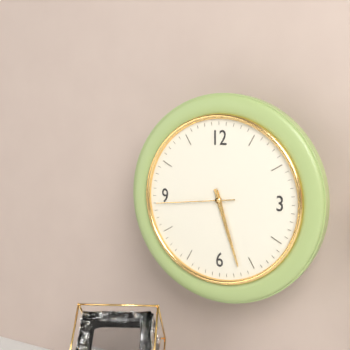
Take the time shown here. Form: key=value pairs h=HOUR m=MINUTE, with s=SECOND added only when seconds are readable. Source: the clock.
h=5 m=27 s=44
